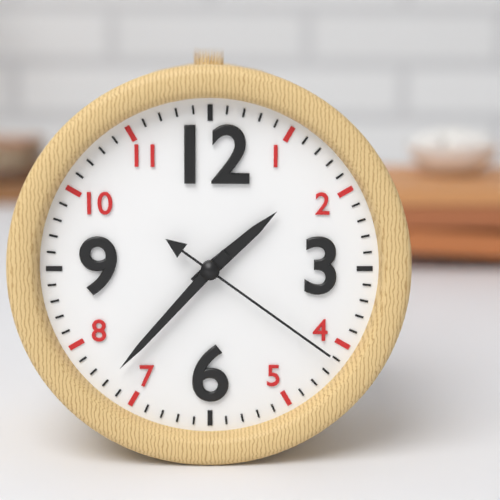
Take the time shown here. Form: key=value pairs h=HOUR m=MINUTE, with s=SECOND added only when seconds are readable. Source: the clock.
h=1 m=37 s=21
